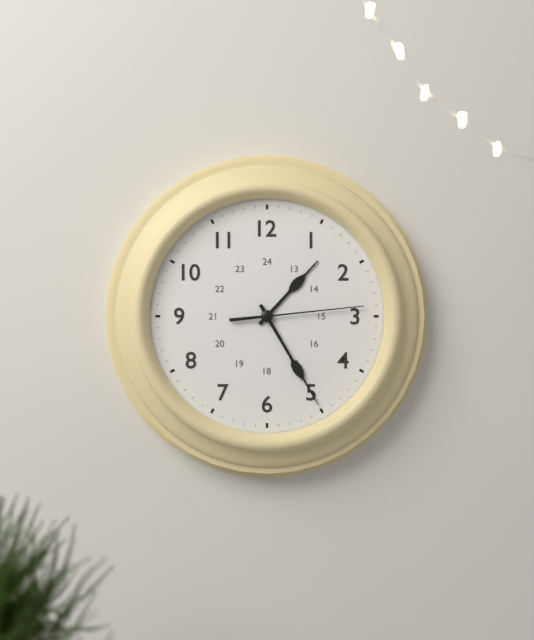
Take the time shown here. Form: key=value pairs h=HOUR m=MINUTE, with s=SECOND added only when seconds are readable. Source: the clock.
h=1 m=25 s=14
